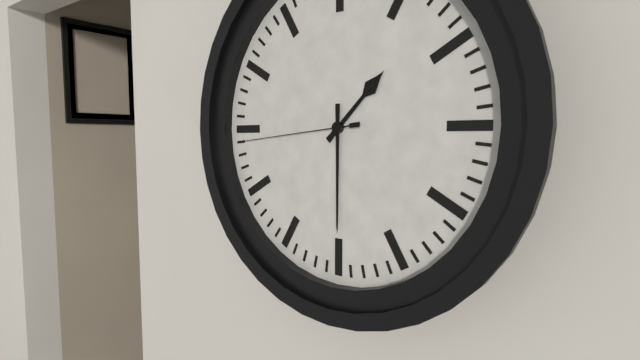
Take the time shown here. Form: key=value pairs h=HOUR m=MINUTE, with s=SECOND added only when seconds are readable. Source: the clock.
h=1 m=30 s=44
